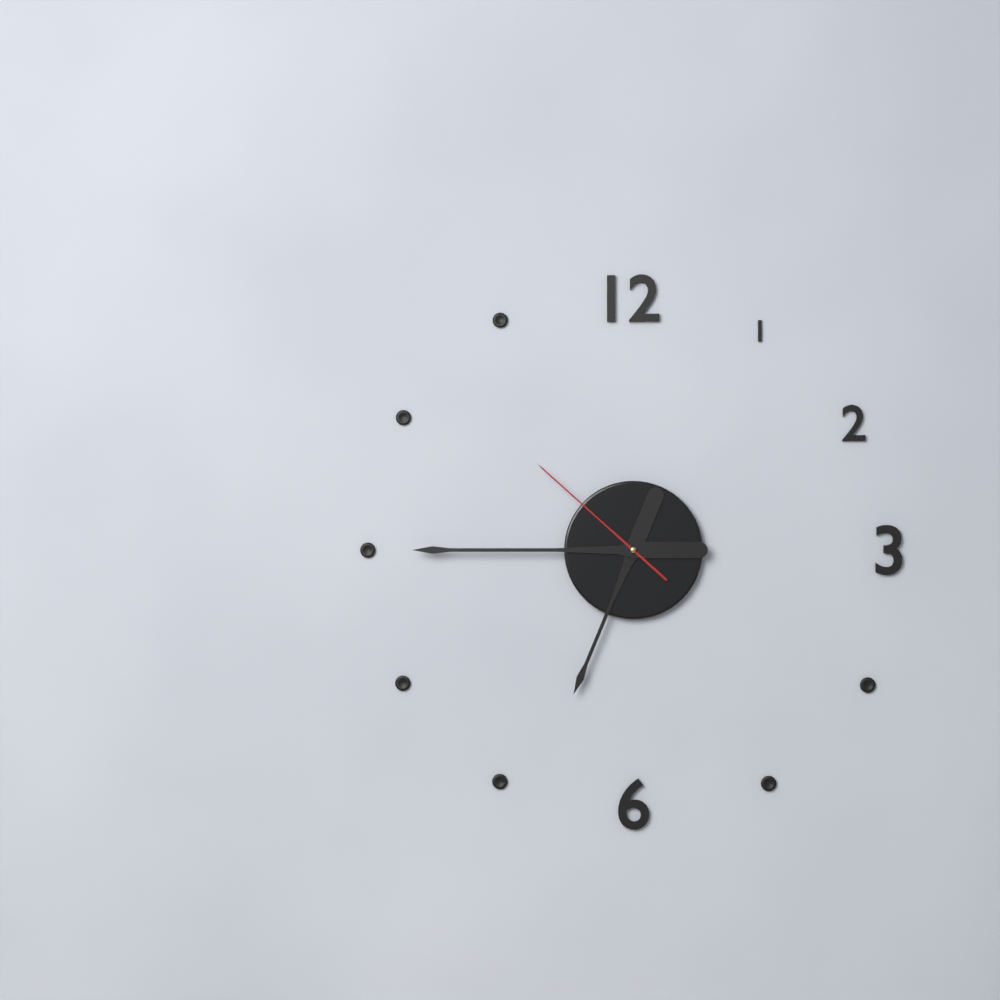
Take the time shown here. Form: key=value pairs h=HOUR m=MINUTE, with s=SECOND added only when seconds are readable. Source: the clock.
h=6 m=45 s=52
